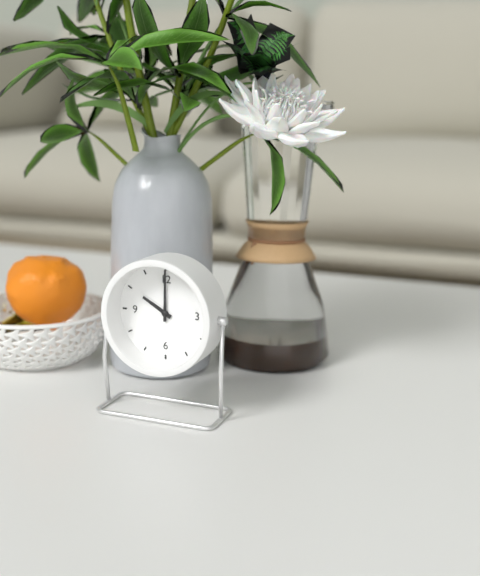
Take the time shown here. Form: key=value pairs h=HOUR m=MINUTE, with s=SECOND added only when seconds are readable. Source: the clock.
h=10 m=0
